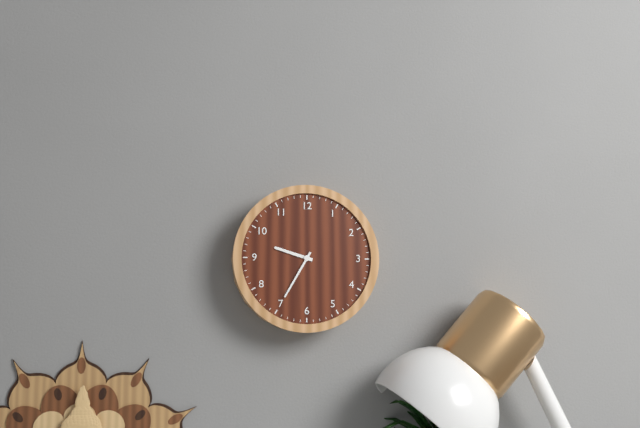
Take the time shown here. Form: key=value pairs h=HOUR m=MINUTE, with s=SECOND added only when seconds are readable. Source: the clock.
h=9 m=35
